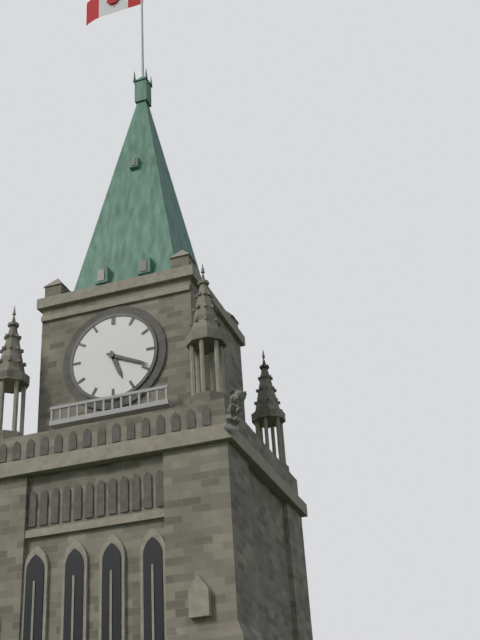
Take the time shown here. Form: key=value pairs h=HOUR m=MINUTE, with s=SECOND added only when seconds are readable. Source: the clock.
h=5 m=19
